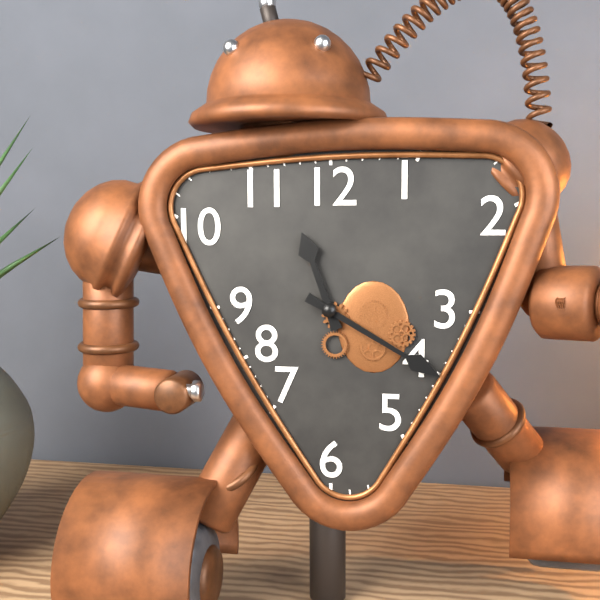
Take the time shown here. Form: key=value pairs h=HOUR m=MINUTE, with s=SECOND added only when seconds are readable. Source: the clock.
h=11 m=20
